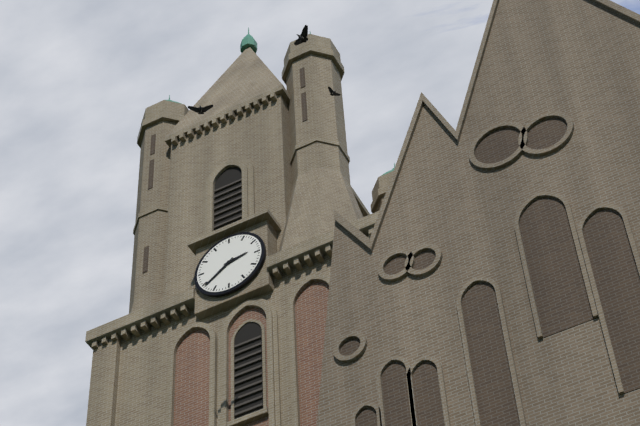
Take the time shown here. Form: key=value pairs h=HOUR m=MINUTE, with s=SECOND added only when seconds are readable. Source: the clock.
h=2 m=39
